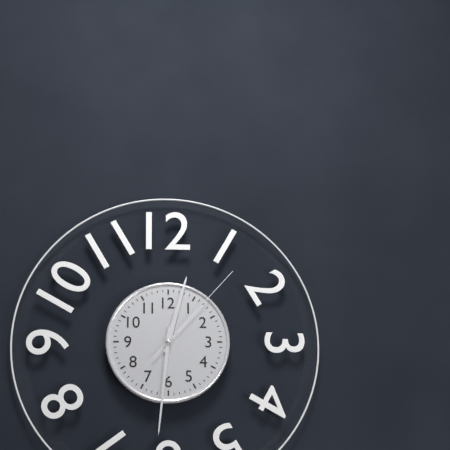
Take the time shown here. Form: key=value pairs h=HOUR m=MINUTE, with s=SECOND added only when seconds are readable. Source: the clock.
h=12 m=31 s=7
